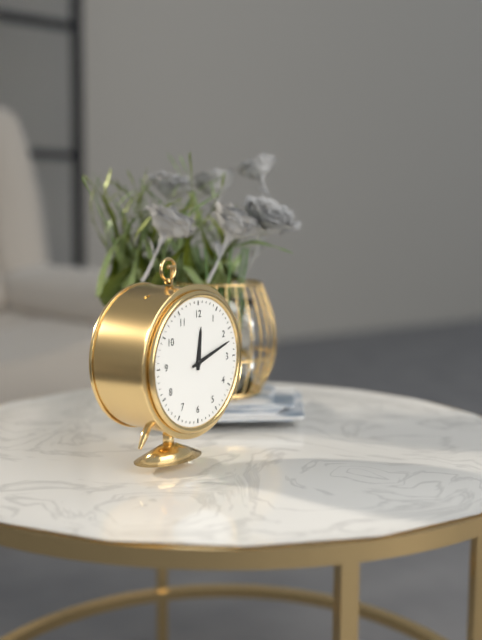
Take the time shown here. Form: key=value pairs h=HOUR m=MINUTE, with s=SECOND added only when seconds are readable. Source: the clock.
h=12 m=12
